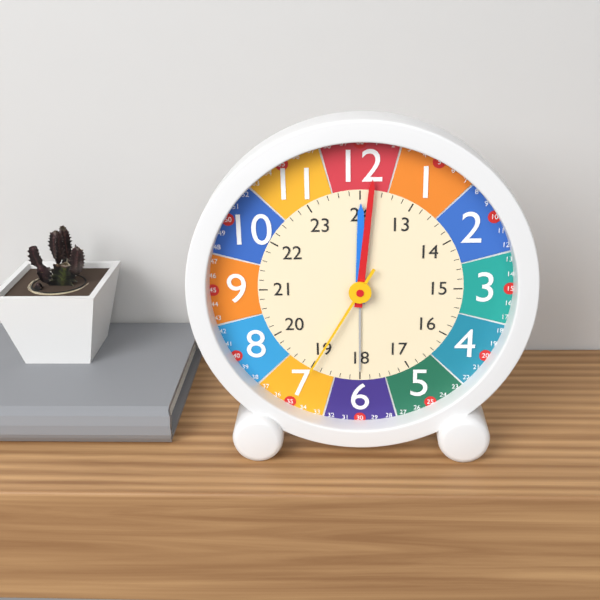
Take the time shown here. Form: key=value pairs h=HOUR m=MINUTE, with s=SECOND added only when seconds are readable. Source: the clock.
h=12 m=1 s=35
